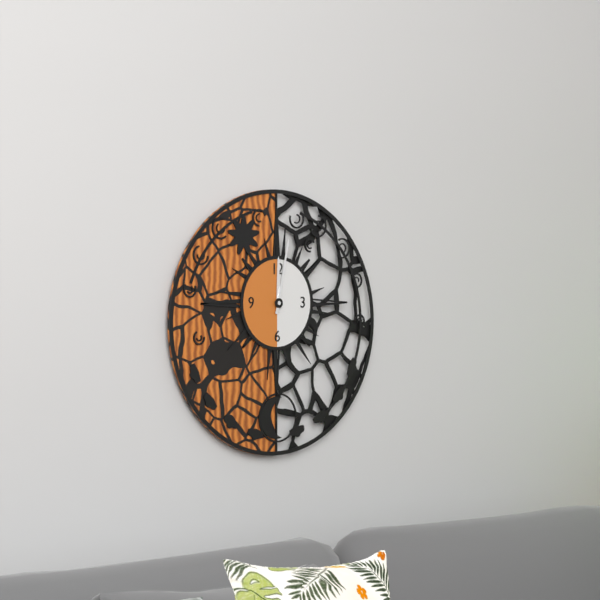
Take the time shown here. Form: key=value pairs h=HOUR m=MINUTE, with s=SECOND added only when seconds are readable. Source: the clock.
h=12 m=2
